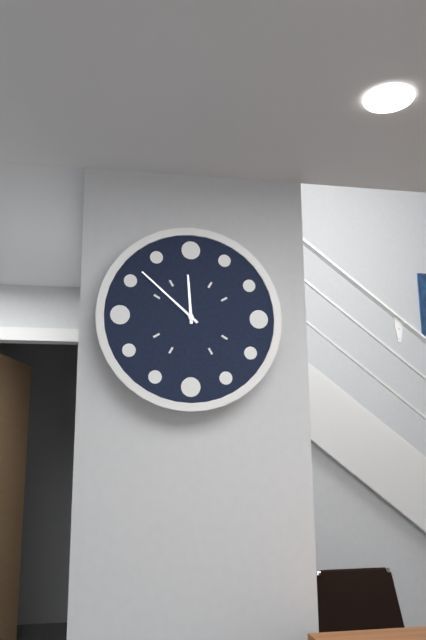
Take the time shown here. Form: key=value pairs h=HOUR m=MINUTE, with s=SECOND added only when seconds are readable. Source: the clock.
h=11 m=52
